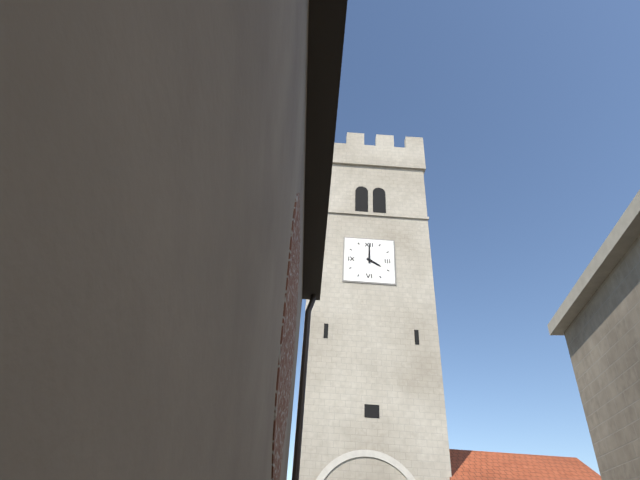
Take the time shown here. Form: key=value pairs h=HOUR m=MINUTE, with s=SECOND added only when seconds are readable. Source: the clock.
h=4 m=0
